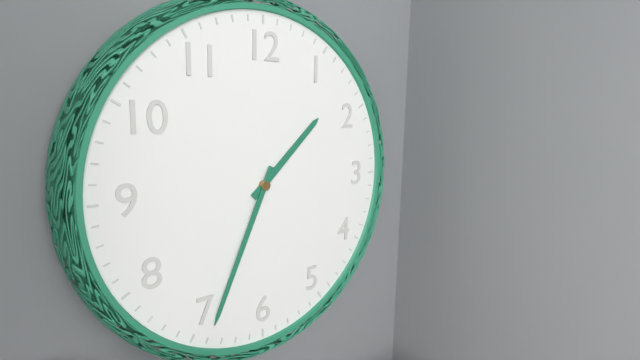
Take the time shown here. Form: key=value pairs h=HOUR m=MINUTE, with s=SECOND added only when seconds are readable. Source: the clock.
h=1 m=34
